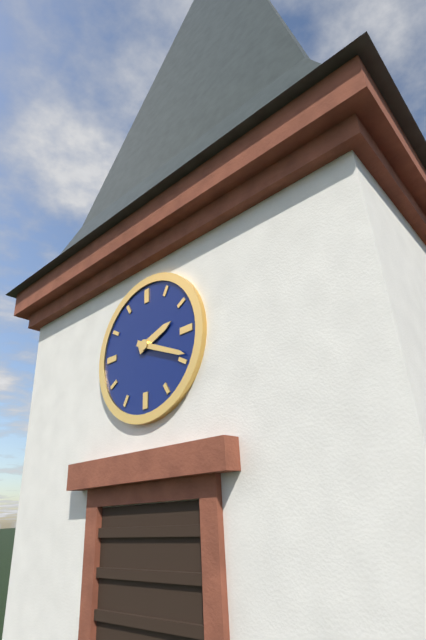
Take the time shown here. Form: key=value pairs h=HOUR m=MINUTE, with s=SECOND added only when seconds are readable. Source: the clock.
h=2 m=19
